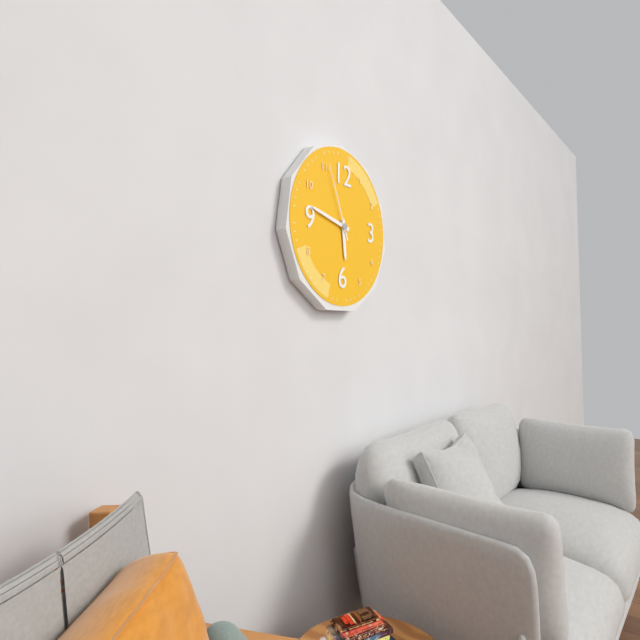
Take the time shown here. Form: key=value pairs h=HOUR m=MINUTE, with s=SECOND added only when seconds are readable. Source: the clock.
h=5 m=47 s=56
